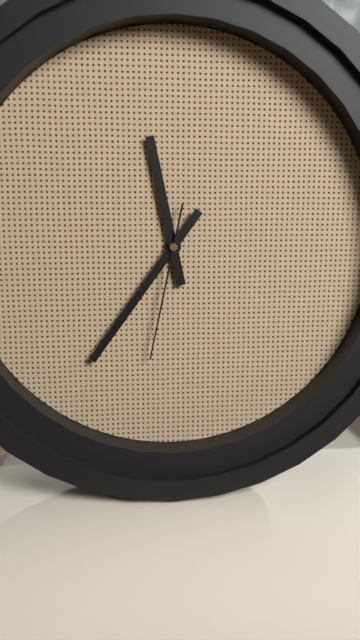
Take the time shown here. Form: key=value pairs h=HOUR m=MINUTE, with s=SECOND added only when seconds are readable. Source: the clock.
h=11 m=36 s=32
